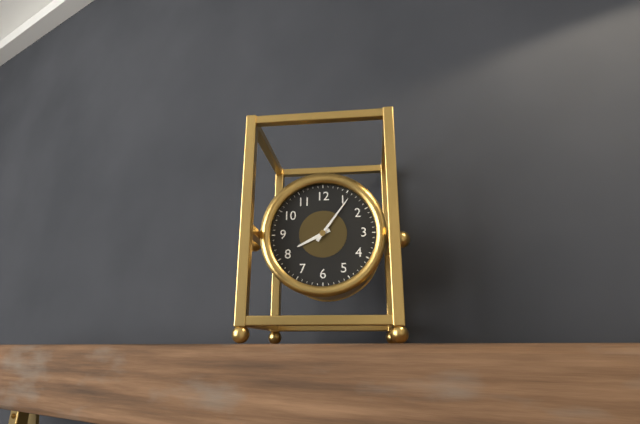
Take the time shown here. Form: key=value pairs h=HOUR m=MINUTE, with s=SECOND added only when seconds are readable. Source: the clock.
h=8 m=6
